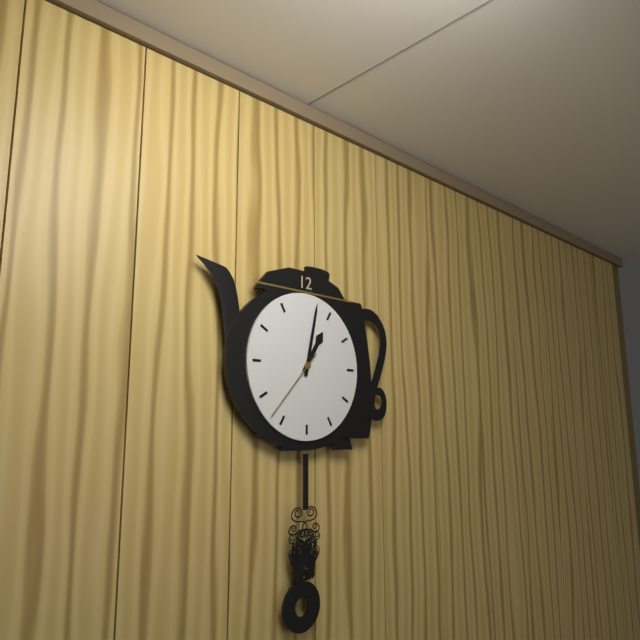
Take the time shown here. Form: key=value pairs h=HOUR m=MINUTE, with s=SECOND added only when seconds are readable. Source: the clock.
h=1 m=2 s=37
